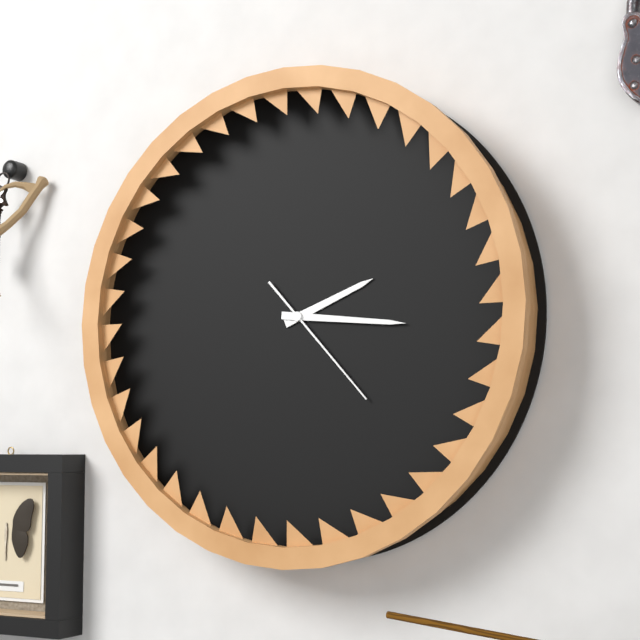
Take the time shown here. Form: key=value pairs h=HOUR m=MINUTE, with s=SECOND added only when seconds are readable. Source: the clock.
h=2 m=16 s=23
